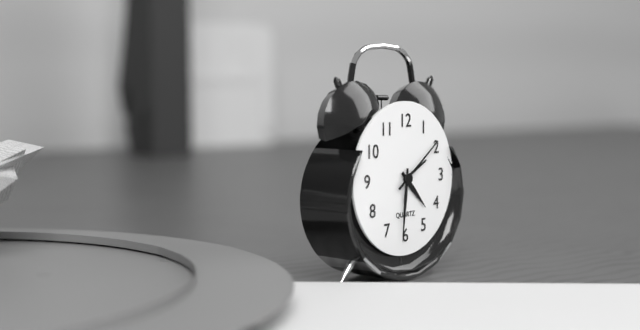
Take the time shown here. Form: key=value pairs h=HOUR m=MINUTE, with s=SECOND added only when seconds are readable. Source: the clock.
h=4 m=31 s=9
